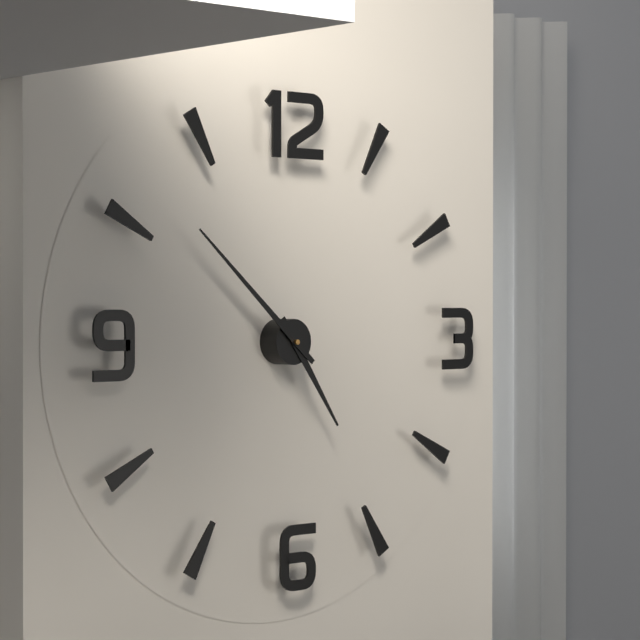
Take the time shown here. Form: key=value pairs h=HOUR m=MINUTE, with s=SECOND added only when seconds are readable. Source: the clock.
h=4 m=52
